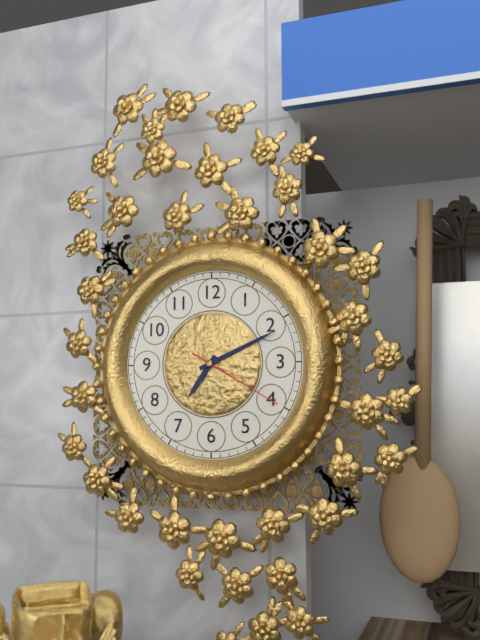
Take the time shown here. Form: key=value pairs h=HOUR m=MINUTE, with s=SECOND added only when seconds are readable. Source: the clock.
h=7 m=11 s=20
